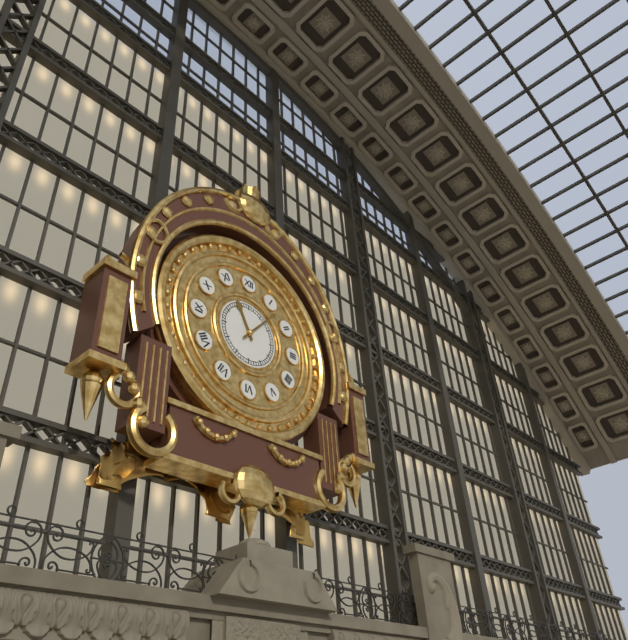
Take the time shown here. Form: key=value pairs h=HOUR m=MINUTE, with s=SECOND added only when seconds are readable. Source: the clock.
h=11 m=7
